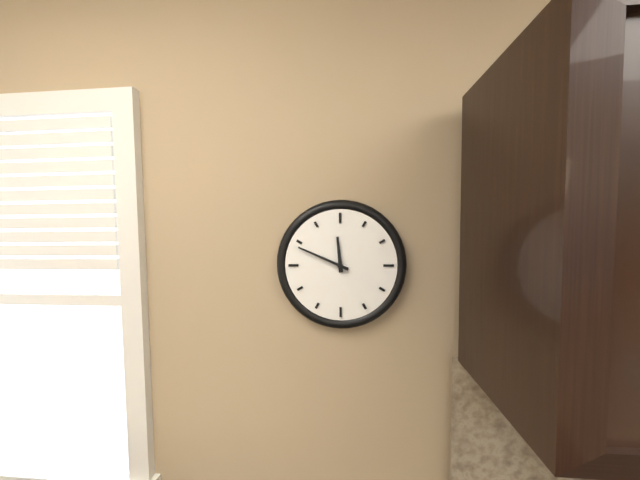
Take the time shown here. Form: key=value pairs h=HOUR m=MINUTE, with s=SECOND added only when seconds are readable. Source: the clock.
h=11 m=49
